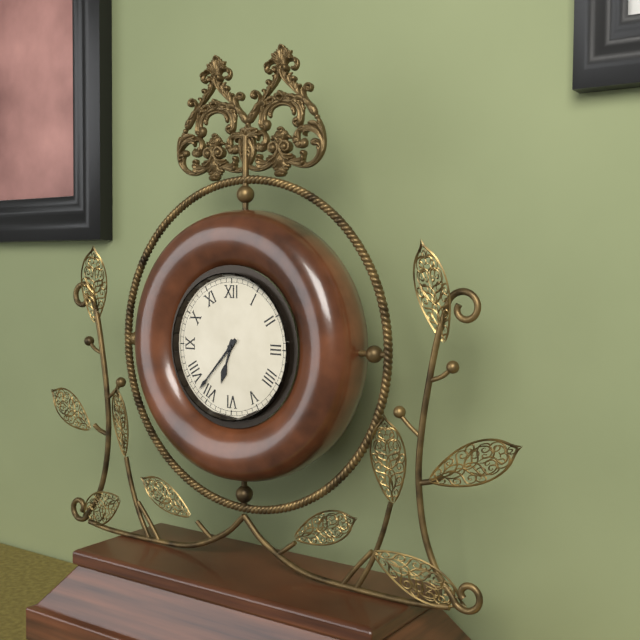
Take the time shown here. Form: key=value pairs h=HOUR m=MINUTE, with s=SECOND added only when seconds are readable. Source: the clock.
h=6 m=37
